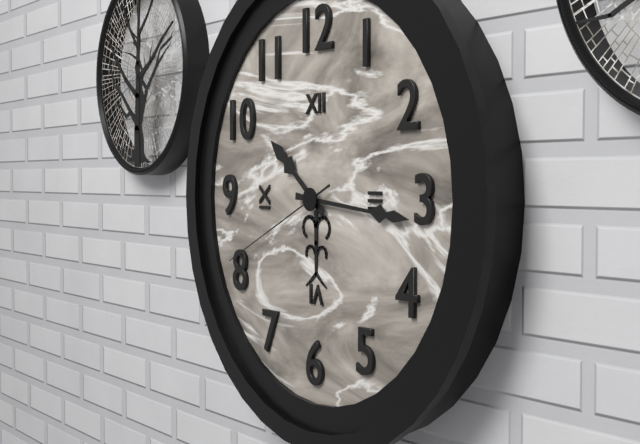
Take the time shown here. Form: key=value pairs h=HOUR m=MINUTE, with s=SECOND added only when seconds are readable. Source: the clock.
h=10 m=16 s=41
